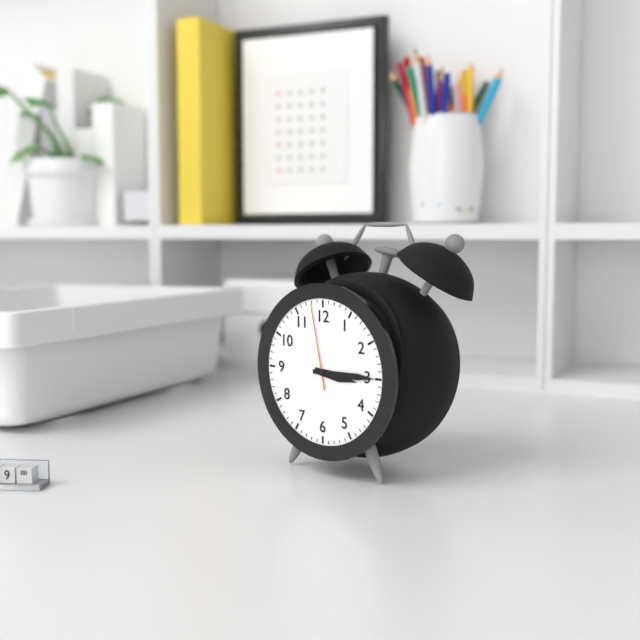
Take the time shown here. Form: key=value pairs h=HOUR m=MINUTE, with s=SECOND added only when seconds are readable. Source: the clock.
h=3 m=15 s=58
